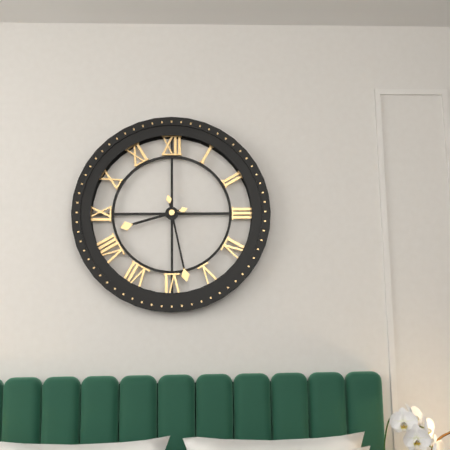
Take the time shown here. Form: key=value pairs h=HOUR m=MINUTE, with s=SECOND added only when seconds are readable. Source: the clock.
h=8 m=28
